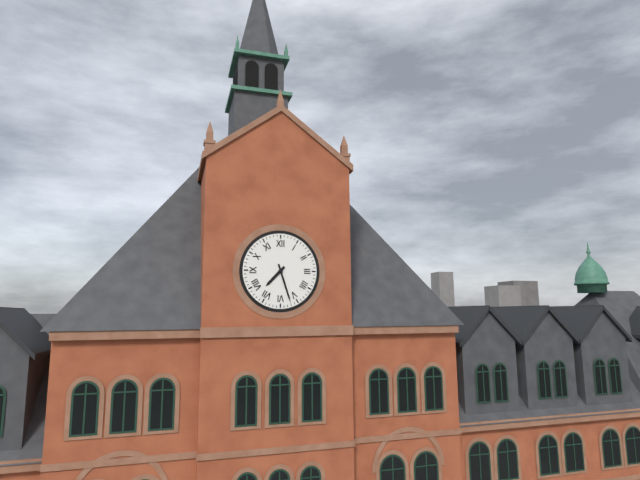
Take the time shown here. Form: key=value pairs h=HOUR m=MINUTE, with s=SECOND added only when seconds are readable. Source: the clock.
h=7 m=27
